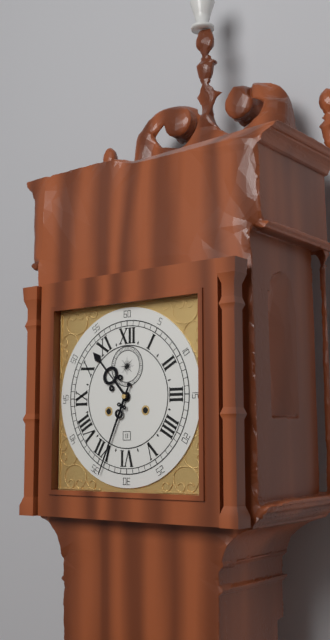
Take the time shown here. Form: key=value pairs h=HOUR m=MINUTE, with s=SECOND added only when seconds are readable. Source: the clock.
h=10 m=34
